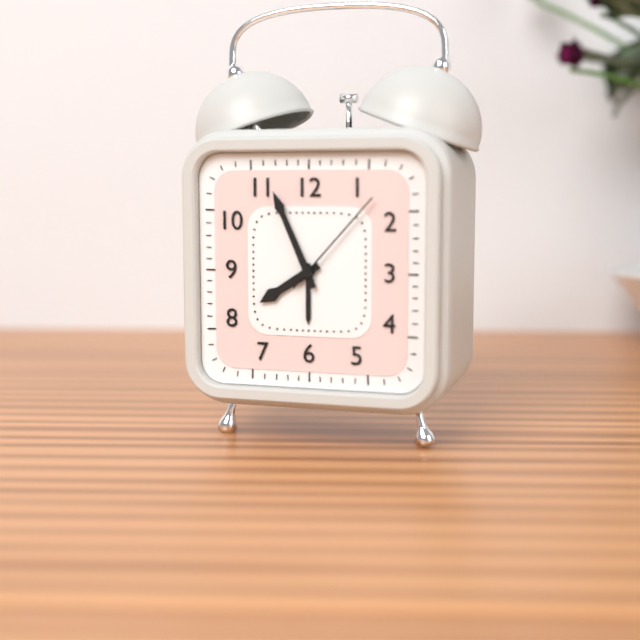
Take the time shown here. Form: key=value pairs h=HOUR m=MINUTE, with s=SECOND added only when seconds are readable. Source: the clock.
h=7 m=56 s=7
